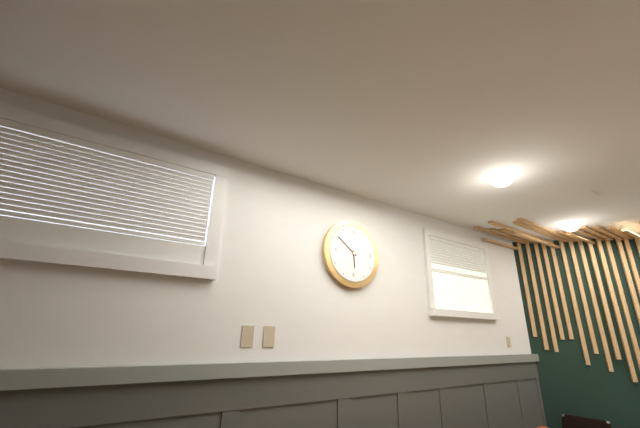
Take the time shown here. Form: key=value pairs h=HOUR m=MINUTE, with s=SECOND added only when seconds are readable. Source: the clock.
h=5 m=51
